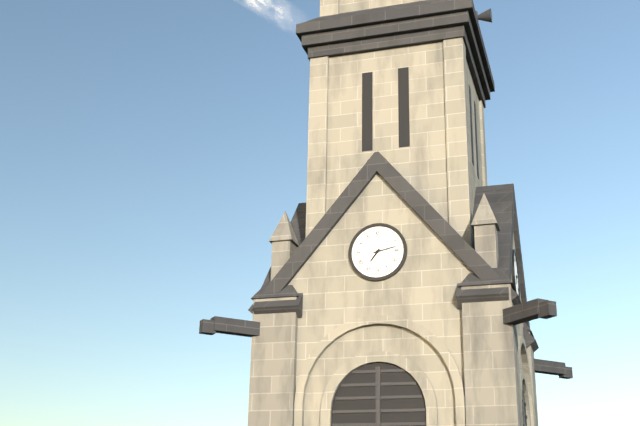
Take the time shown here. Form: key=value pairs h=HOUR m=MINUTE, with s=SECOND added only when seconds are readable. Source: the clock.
h=7 m=13
